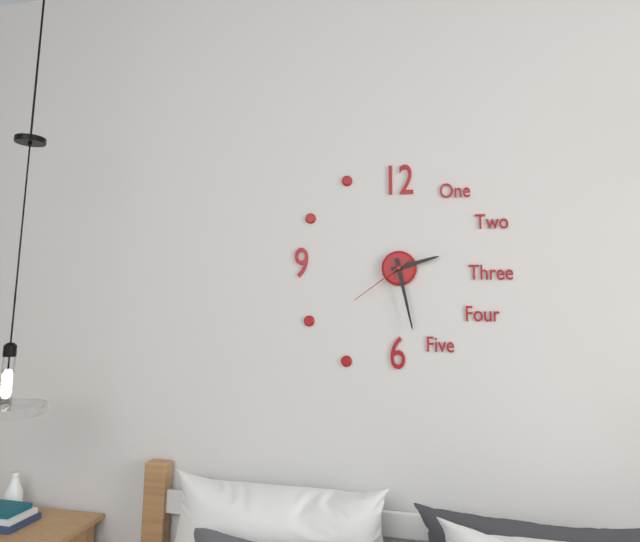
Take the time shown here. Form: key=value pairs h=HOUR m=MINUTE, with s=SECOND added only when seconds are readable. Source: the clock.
h=2 m=28 s=39
